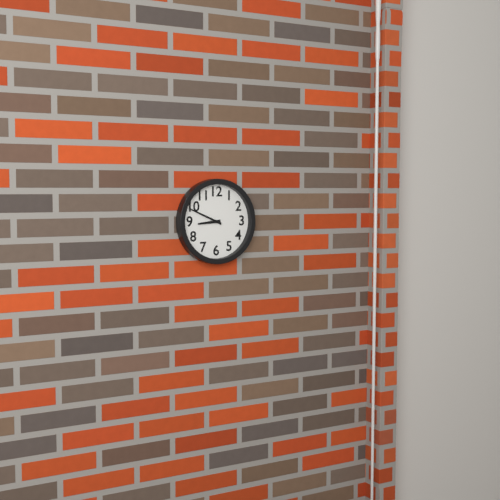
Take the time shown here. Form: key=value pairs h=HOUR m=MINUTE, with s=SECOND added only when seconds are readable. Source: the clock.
h=8 m=49
